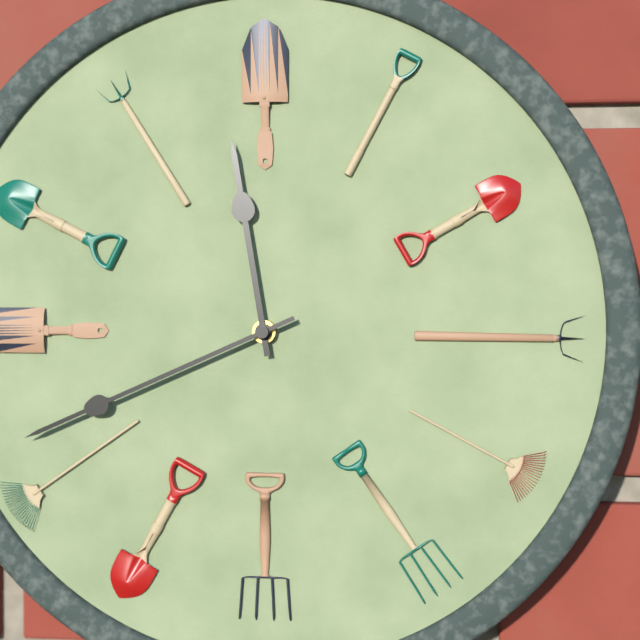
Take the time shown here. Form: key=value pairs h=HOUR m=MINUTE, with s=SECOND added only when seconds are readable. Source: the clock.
h=11 m=41
